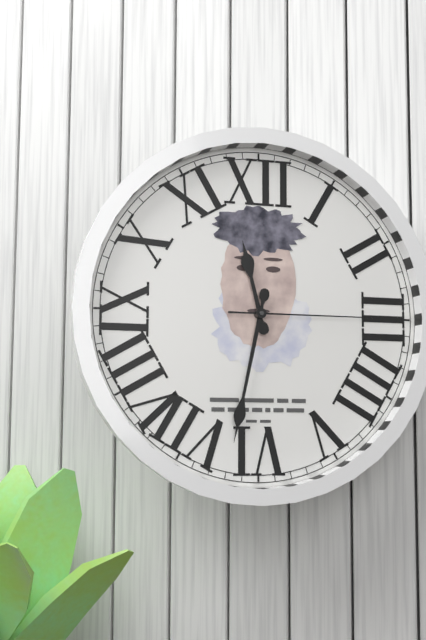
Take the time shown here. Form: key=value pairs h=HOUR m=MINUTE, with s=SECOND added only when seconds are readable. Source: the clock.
h=11 m=32 s=15
